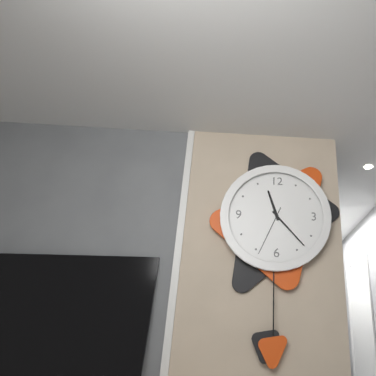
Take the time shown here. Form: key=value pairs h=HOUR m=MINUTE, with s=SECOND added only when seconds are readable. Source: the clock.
h=11 m=23 s=34
